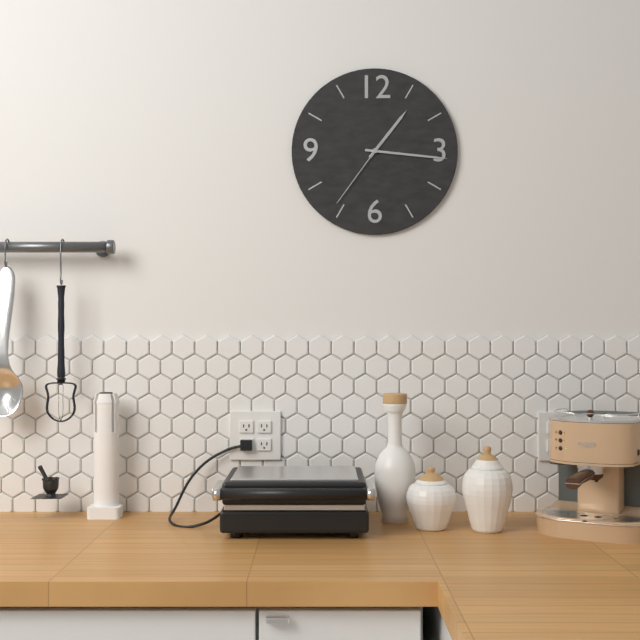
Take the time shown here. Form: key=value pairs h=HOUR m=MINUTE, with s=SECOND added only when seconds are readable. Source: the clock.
h=1 m=16 s=36
